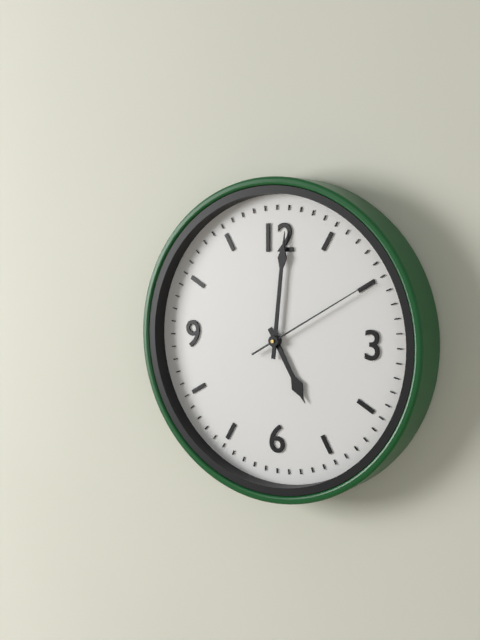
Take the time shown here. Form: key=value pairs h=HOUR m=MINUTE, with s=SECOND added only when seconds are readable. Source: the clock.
h=5 m=1 s=10
